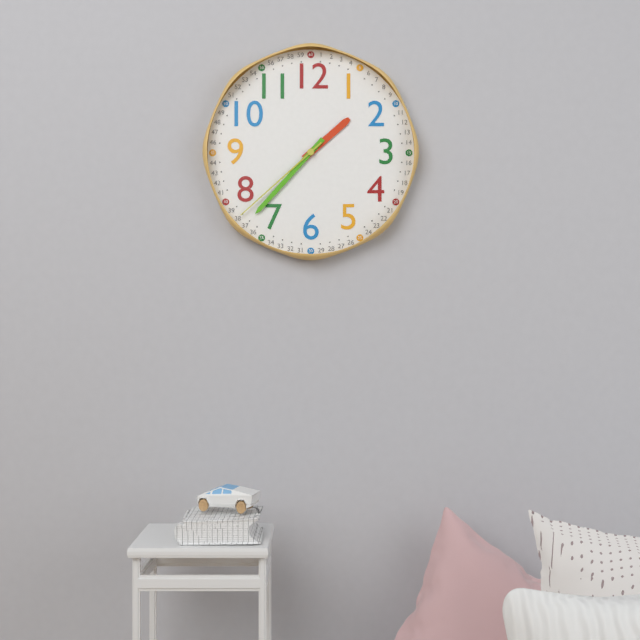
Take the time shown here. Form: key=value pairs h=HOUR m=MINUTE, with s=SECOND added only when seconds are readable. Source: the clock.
h=1 m=37 s=38
